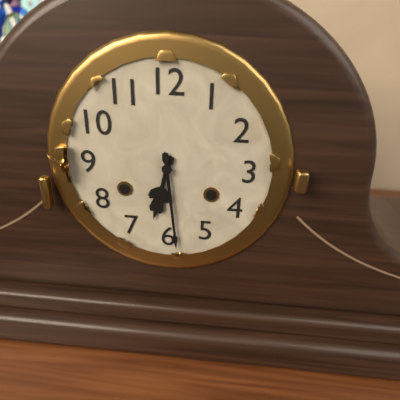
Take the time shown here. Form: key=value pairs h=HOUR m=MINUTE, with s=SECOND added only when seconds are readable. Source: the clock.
h=6 m=29
